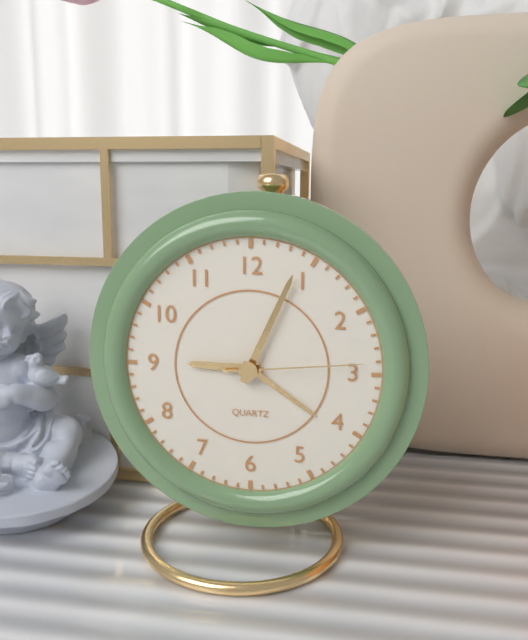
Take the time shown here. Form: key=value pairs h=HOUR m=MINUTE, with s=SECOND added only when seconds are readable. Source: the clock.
h=9 m=4 s=14
